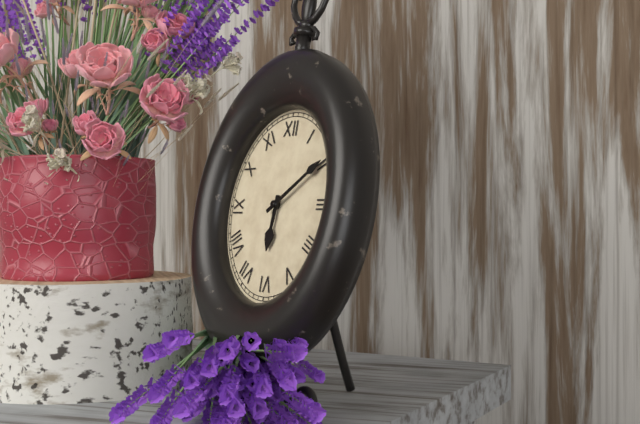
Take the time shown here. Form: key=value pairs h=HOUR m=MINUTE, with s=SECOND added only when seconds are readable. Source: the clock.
h=6 m=9
